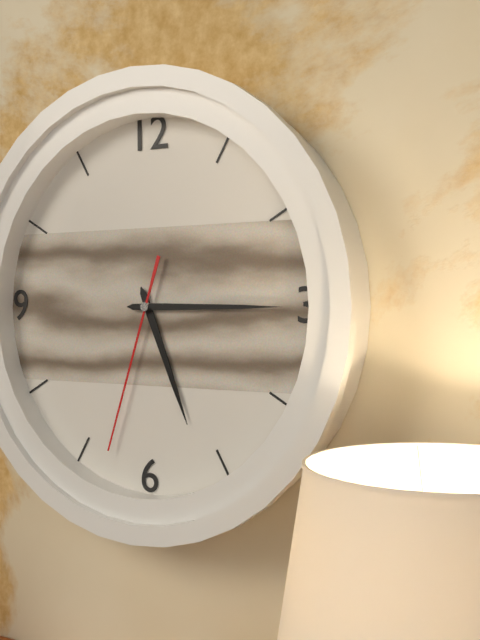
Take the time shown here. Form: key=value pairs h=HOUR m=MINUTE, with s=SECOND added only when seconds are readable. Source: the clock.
h=5 m=15 s=33
